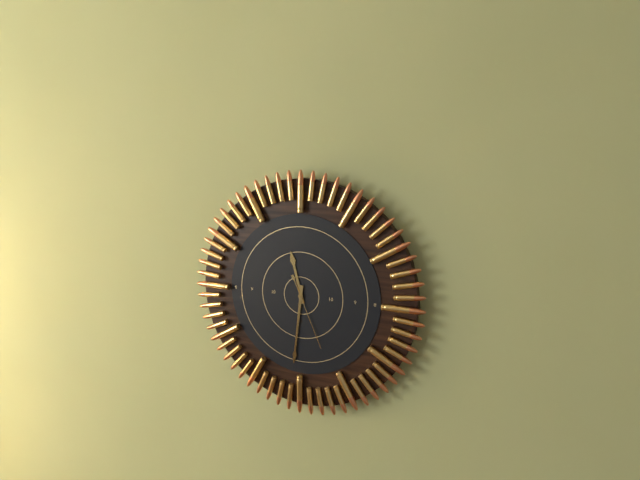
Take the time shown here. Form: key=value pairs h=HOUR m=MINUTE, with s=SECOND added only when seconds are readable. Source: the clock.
h=11 m=31 s=26
